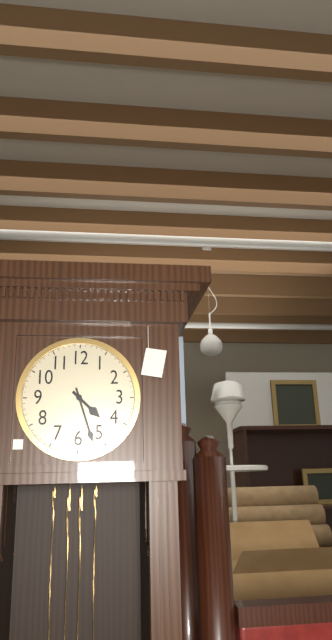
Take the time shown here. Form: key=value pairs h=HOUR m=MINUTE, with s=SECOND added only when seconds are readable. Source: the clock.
h=4 m=27
